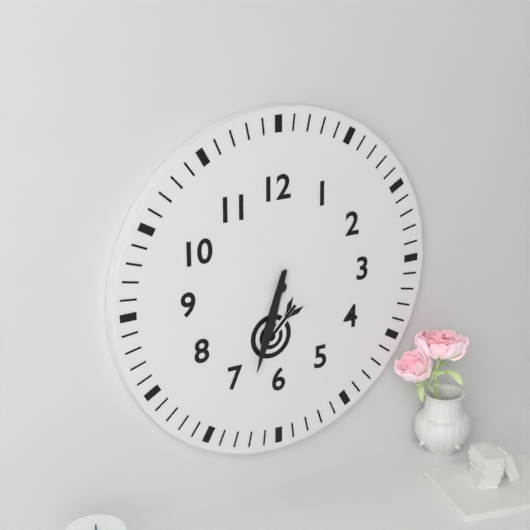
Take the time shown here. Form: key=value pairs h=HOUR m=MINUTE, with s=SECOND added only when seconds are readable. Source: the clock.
h=6 m=33
